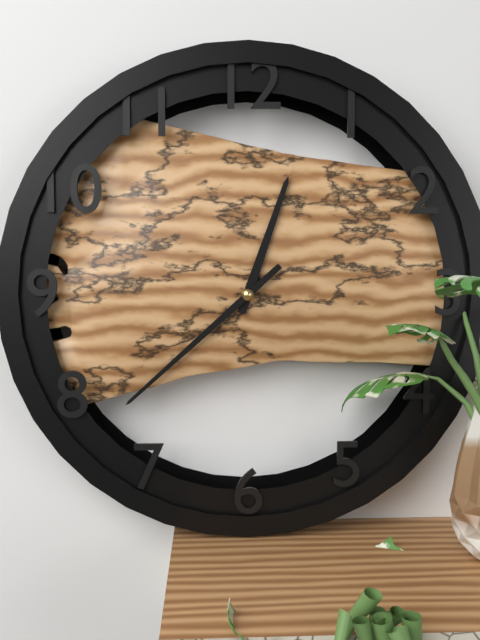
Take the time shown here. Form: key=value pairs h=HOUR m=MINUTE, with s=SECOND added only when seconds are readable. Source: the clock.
h=12 m=38
